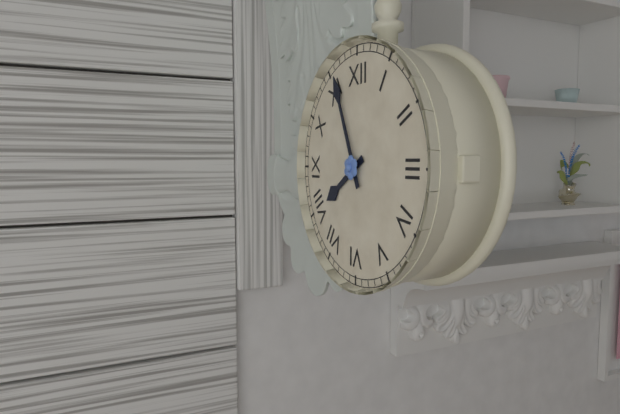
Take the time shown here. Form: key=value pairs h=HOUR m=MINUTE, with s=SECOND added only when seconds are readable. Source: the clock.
h=7 m=56
